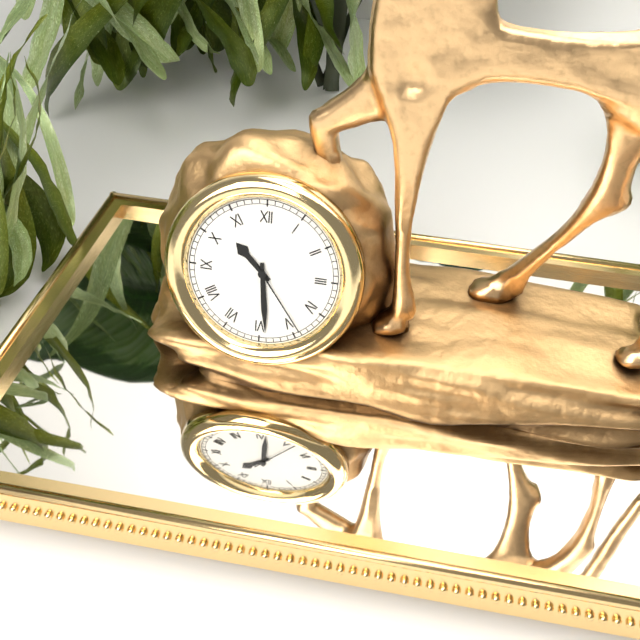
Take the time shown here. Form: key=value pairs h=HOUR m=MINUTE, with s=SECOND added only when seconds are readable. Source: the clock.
h=10 m=29 s=24
